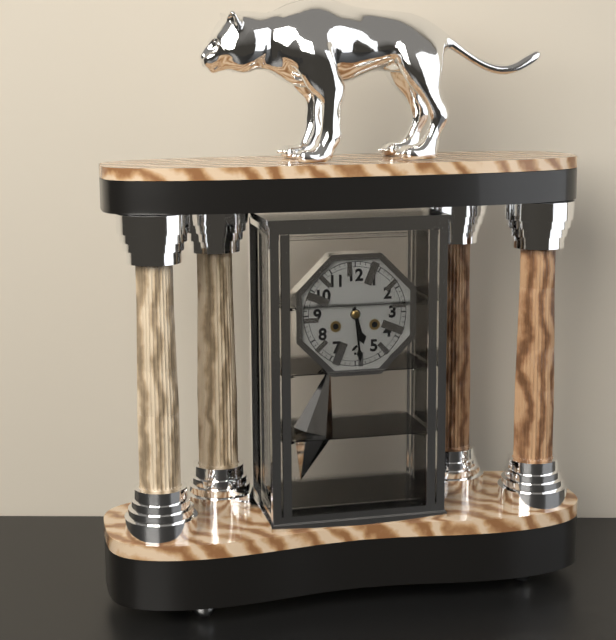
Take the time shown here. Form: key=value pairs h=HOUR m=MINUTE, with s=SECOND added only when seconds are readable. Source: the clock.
h=5 m=29
